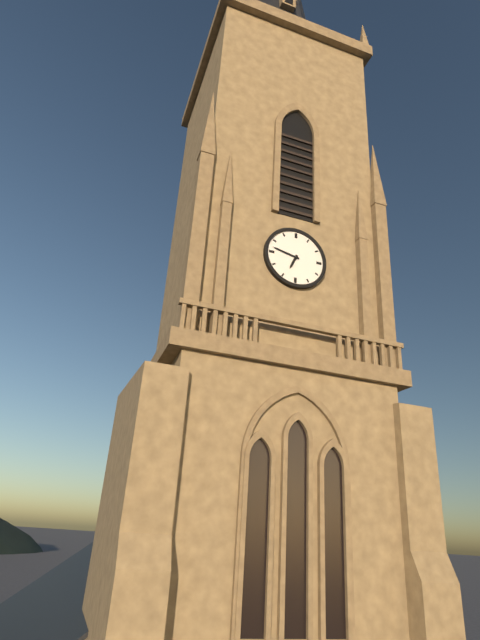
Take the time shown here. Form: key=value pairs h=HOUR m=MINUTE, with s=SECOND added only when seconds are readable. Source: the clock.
h=6 m=47
